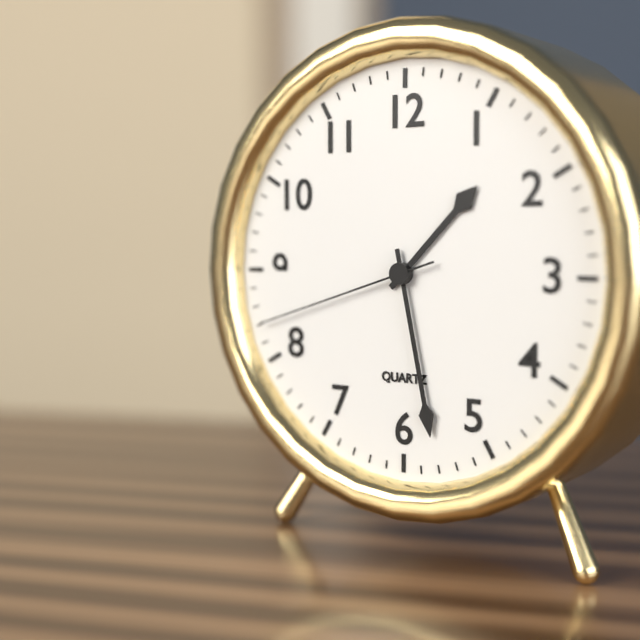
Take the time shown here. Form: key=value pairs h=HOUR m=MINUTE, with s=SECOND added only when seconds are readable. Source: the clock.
h=1 m=28 s=42
